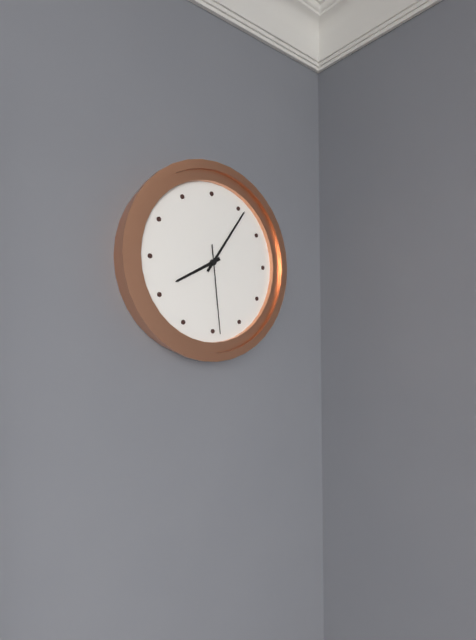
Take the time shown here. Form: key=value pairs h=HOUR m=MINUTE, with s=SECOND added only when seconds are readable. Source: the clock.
h=8 m=6 s=29
